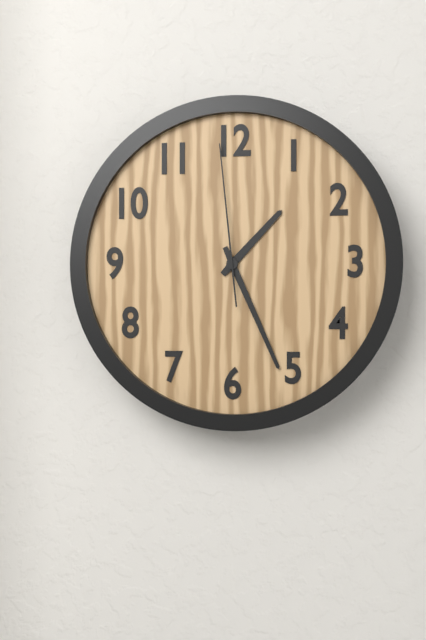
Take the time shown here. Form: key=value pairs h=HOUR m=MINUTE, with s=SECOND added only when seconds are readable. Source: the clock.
h=1 m=26 s=59
